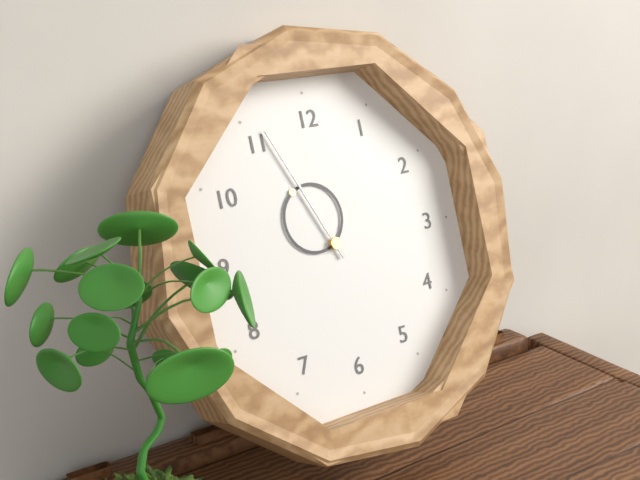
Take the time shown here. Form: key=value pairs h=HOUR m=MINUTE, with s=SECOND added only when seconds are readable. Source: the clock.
h=10 m=56
